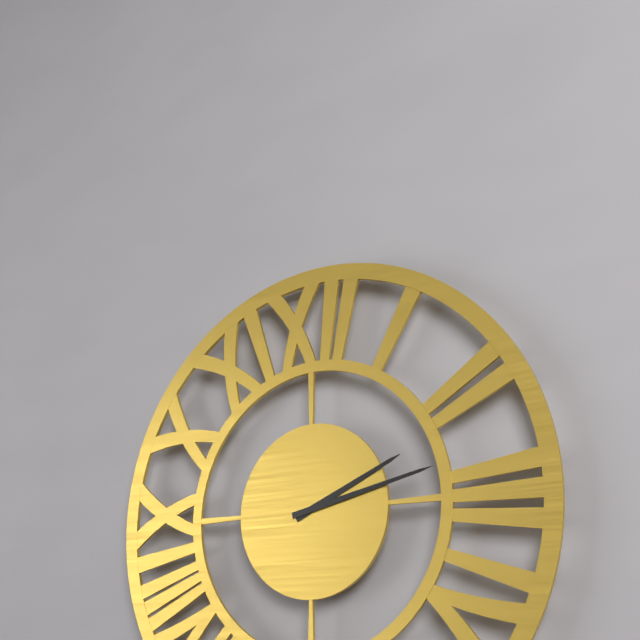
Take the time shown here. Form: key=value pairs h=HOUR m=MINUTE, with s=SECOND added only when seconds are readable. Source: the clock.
h=2 m=13
